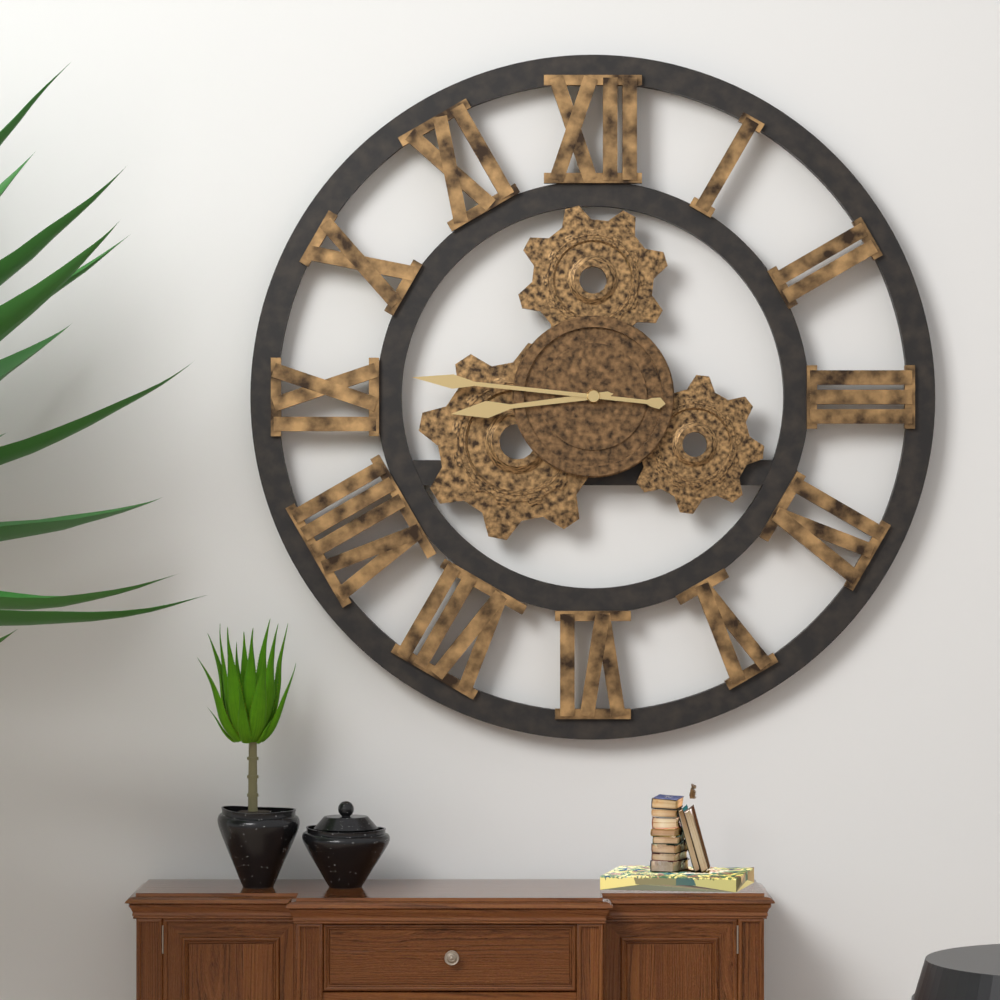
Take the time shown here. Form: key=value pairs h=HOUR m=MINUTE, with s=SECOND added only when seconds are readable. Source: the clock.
h=8 m=46
